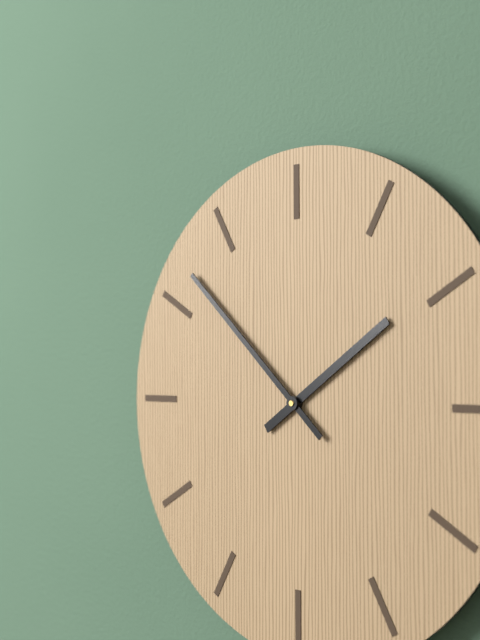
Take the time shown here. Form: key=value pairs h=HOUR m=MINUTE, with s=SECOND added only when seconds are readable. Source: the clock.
h=1 m=52
